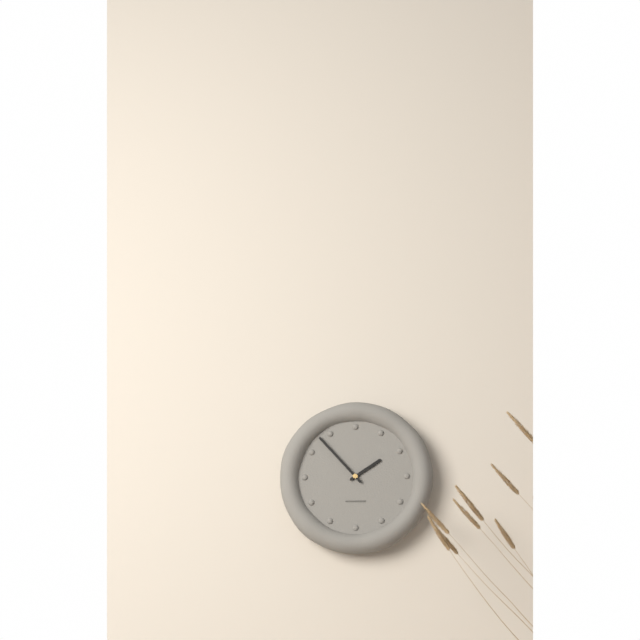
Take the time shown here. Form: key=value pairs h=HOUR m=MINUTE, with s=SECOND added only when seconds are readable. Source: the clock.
h=1 m=53
